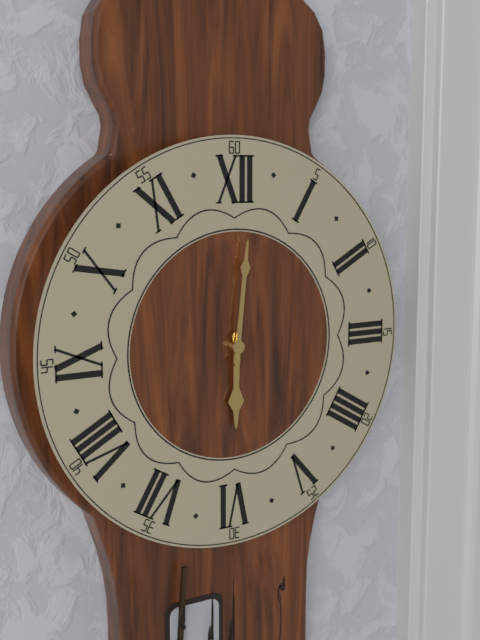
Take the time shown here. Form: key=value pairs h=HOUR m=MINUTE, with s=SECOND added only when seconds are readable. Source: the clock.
h=6 m=1
